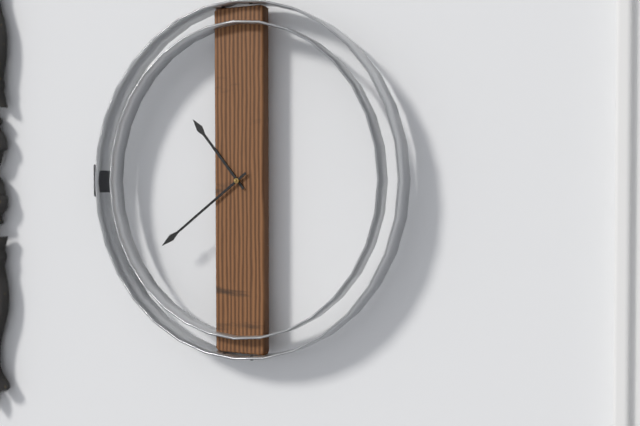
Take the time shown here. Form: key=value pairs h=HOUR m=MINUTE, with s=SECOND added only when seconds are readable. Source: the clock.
h=10 m=39
